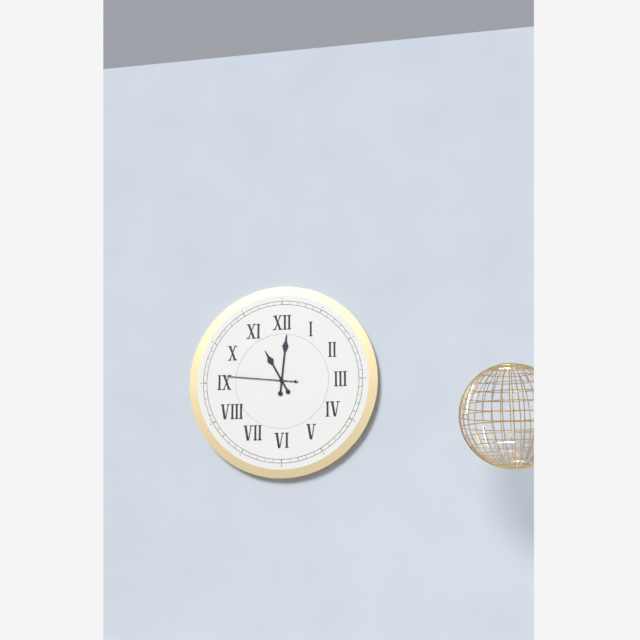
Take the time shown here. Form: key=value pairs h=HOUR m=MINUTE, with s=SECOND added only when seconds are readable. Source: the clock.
h=11 m=1 s=46
